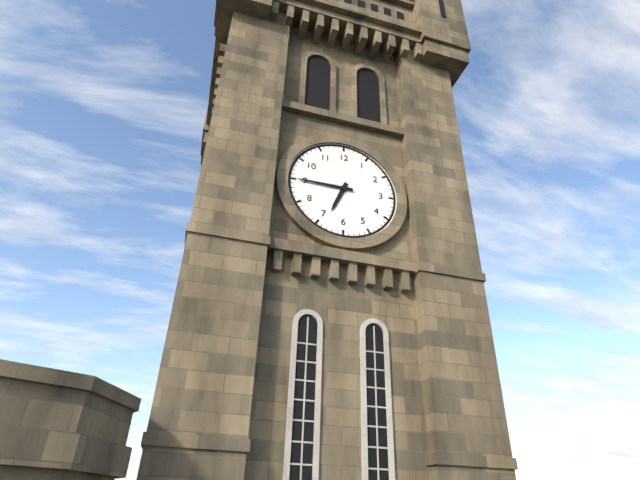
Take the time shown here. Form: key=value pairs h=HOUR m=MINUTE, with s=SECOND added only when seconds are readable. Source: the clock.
h=6 m=45
